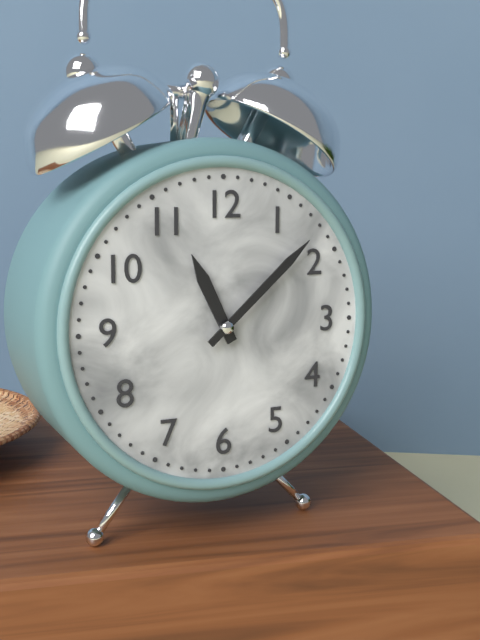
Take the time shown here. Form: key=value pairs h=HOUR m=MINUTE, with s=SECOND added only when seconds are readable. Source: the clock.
h=11 m=8
